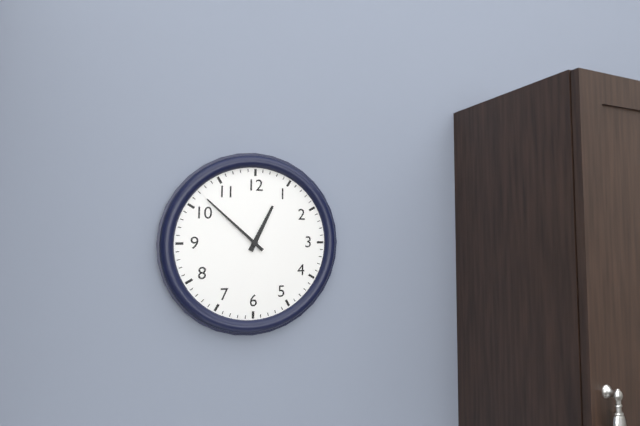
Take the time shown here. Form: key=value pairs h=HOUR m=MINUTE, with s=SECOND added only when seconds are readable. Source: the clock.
h=12 m=52
